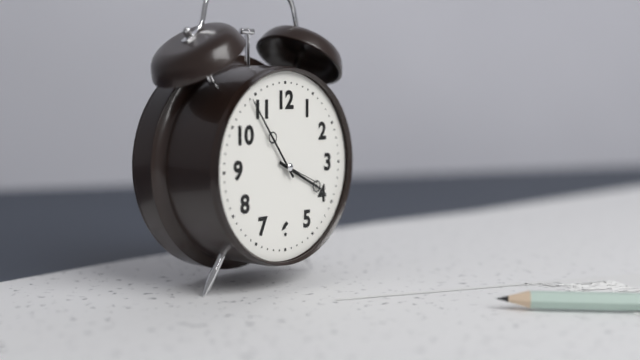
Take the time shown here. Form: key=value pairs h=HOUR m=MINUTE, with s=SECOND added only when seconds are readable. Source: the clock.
h=3 m=54
